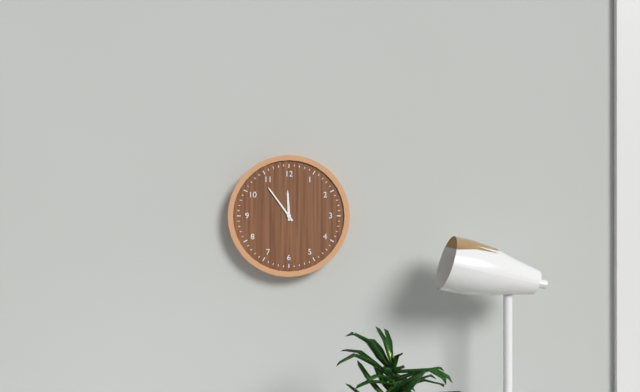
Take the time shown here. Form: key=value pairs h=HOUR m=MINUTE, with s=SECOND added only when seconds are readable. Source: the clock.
h=11 m=54
